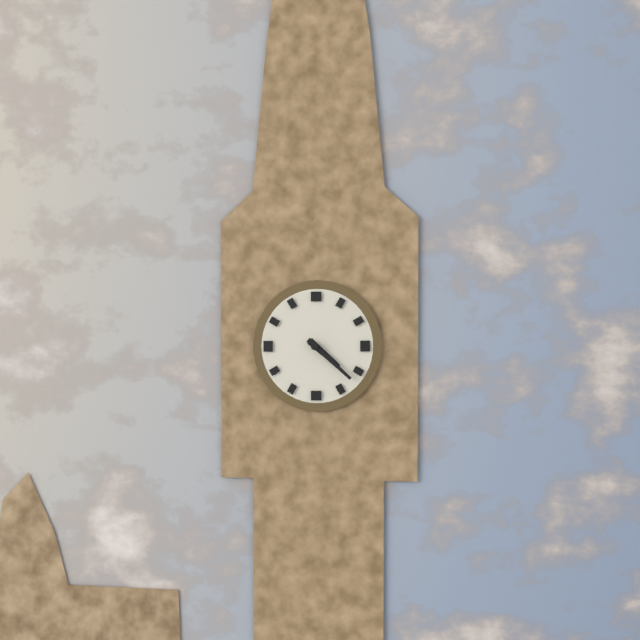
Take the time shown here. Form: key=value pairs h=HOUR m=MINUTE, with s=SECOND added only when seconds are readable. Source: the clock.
h=4 m=22
